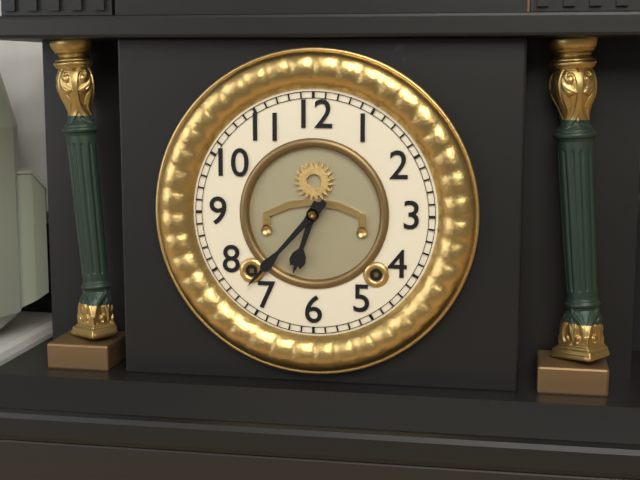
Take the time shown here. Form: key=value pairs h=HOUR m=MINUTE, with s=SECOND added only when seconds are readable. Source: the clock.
h=6 m=37
